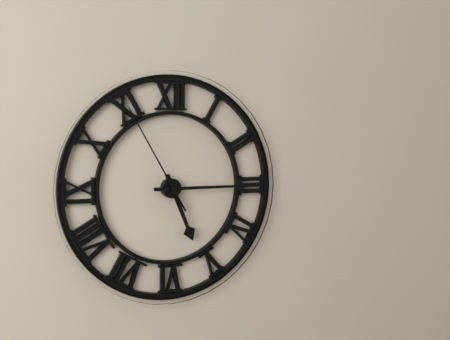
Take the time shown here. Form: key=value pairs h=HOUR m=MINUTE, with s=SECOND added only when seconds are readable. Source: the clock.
h=5 m=15 s=55
